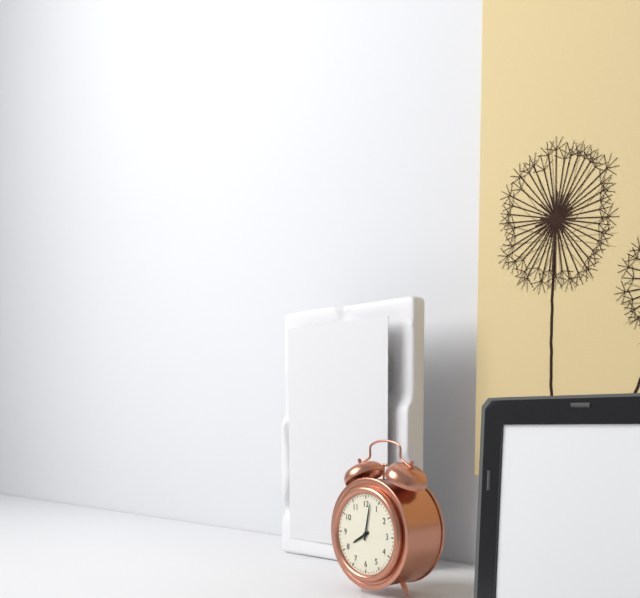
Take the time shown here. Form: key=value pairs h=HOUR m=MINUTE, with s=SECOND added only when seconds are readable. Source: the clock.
h=8 m=2
